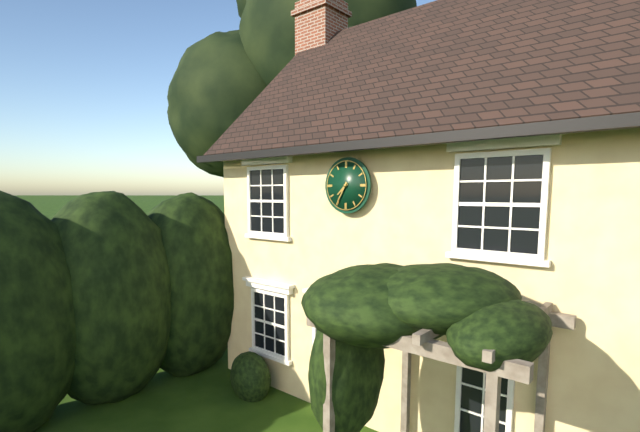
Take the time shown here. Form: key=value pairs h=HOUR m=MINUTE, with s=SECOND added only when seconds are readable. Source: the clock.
h=7 m=35
